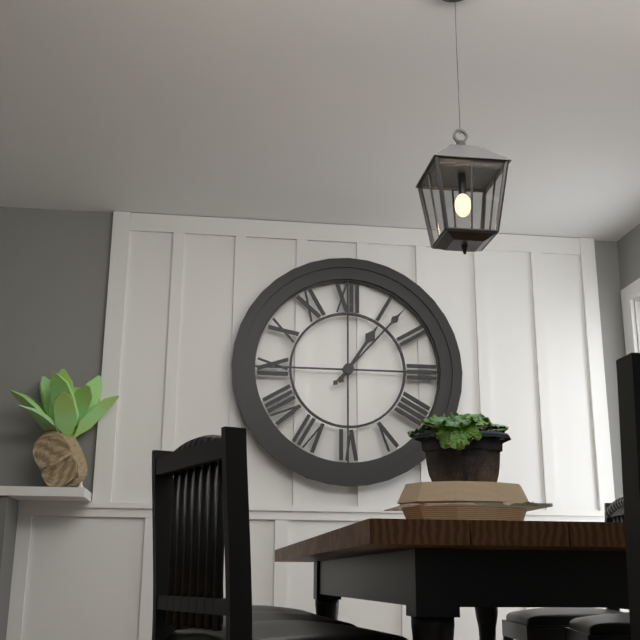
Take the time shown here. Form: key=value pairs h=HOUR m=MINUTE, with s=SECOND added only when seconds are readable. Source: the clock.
h=1 m=7
